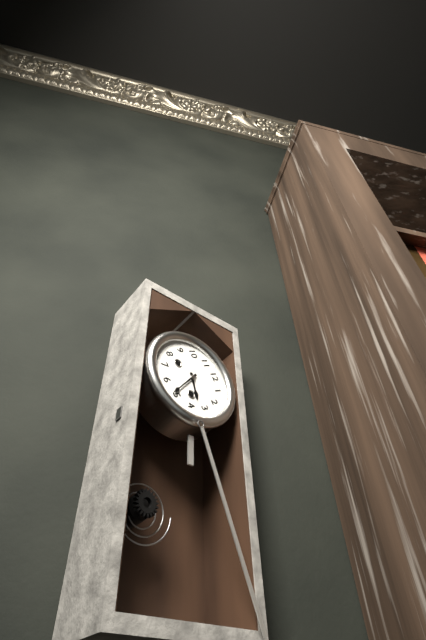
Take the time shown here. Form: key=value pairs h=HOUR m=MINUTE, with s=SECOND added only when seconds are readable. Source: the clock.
h=3 m=26
